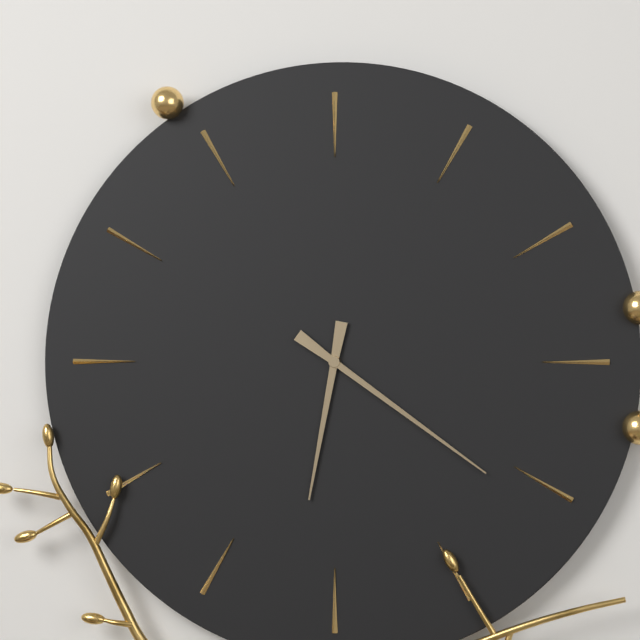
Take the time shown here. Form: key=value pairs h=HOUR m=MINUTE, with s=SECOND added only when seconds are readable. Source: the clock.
h=6 m=21
